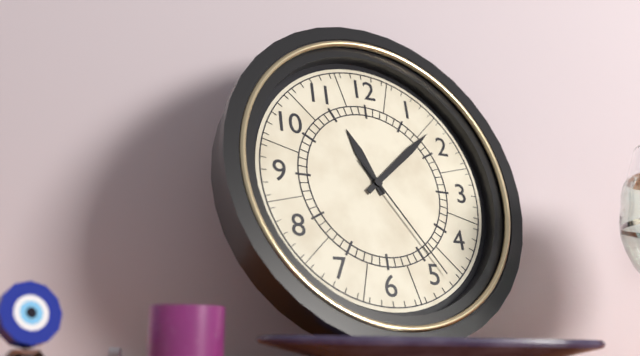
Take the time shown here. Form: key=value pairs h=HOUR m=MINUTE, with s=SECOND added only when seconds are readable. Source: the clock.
h=11 m=8 s=24
